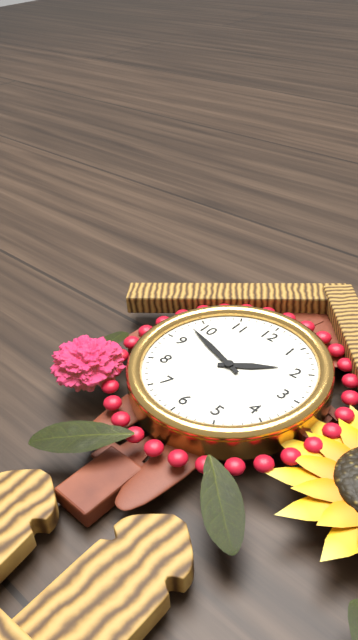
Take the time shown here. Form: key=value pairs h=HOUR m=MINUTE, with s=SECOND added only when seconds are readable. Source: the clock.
h=1 m=48
